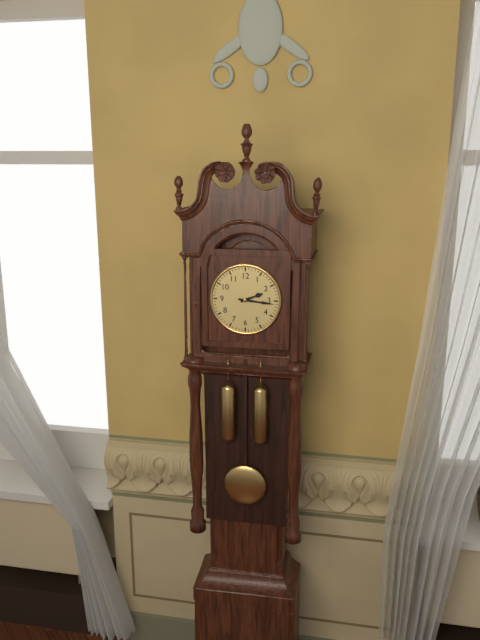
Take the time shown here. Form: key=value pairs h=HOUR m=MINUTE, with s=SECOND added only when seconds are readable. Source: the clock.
h=2 m=16
